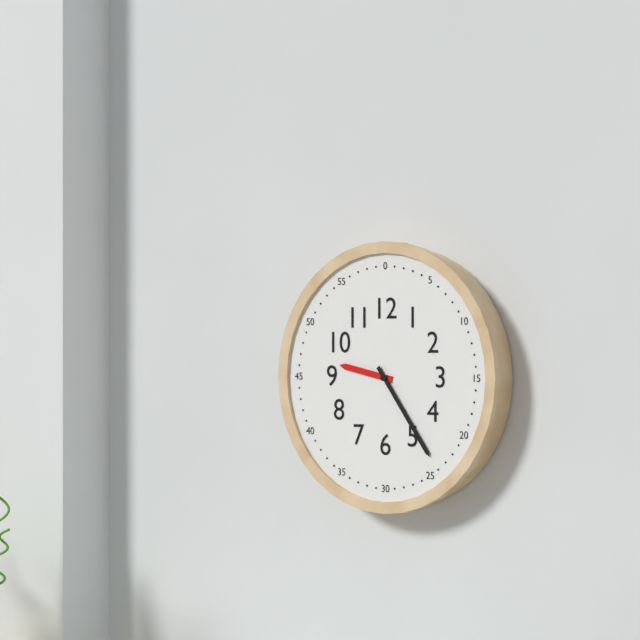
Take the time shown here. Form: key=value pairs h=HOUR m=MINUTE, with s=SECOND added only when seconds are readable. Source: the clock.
h=9 m=24
